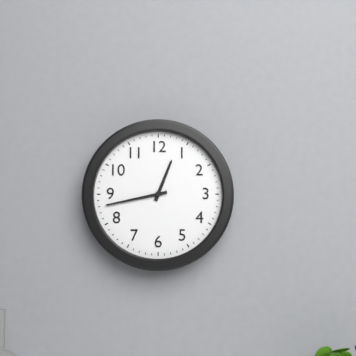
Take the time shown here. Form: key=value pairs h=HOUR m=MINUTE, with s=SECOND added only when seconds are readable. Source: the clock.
h=12 m=43
